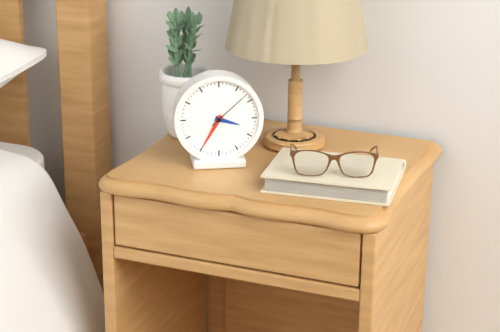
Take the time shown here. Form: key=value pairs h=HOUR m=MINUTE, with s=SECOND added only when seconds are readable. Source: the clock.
h=3 m=35
